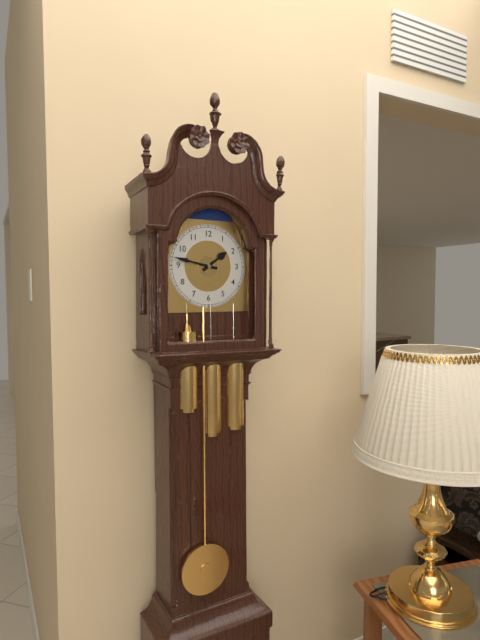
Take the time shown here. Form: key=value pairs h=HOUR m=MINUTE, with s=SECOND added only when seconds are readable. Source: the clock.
h=1 m=47
